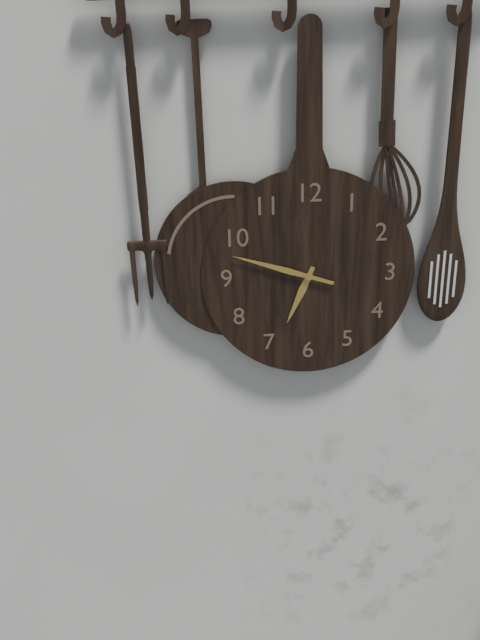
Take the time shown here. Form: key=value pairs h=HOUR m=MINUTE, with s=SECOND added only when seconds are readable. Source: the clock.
h=6 m=48
